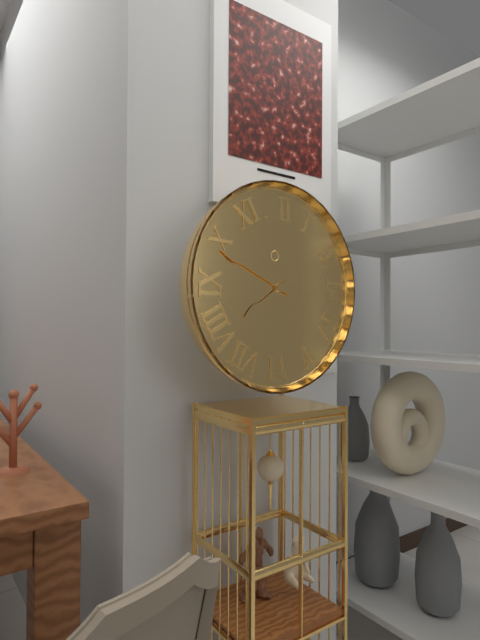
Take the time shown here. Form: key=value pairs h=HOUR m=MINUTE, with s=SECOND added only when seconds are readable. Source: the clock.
h=7 m=49
